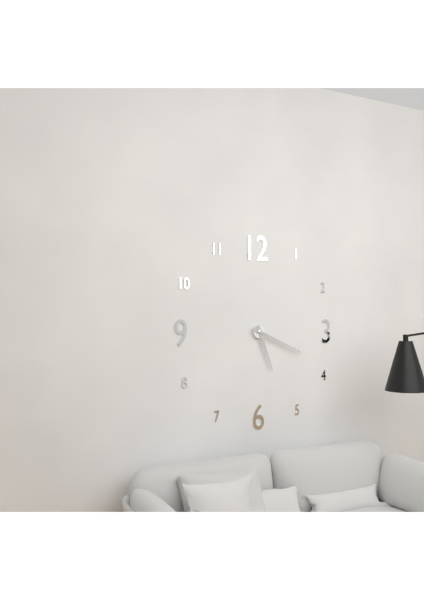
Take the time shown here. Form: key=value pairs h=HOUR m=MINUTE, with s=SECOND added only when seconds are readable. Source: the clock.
h=5 m=19
